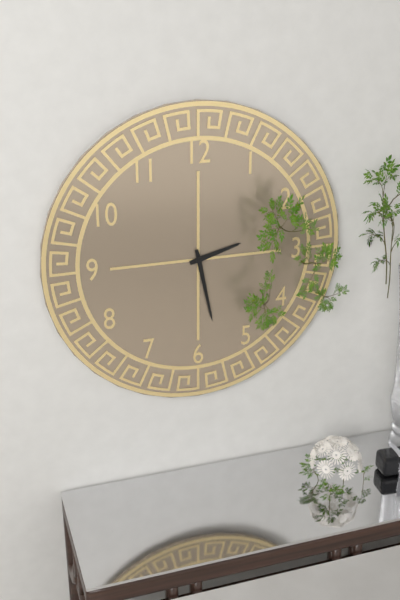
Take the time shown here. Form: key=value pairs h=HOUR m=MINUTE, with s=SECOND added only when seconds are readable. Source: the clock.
h=2 m=28
